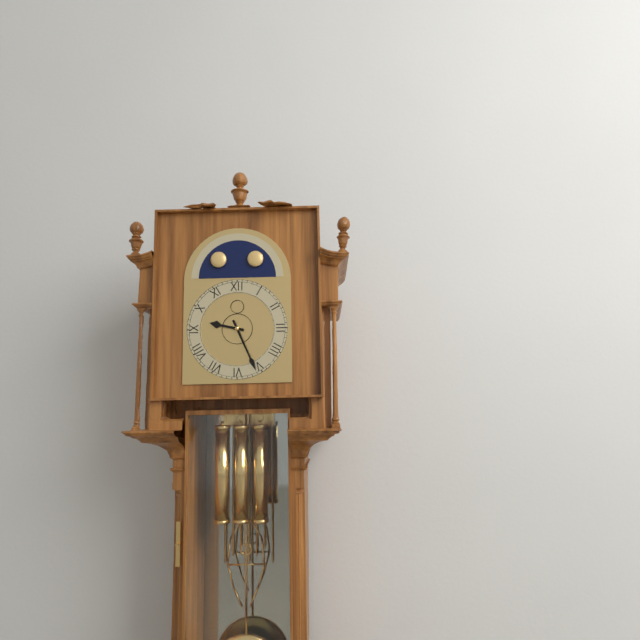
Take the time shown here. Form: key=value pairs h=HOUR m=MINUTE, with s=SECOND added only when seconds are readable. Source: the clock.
h=9 m=26
